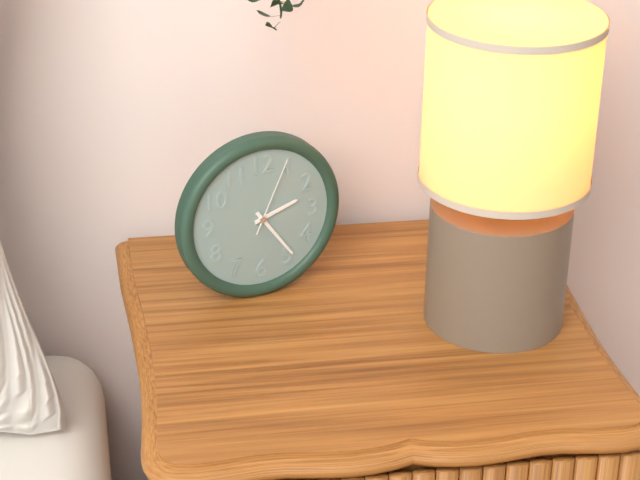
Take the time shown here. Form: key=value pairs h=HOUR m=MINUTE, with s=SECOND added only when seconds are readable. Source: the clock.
h=2 m=24 s=4
